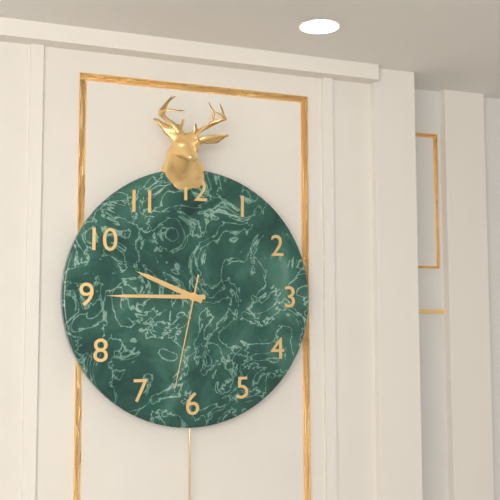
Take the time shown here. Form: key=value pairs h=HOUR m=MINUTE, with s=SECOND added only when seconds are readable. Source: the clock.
h=9 m=45 s=32
